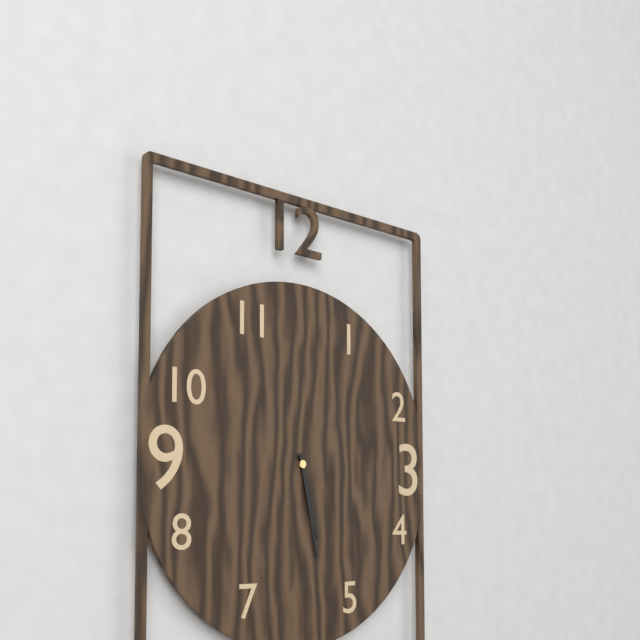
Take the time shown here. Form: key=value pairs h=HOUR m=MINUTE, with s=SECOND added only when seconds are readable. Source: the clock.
h=5 m=28
